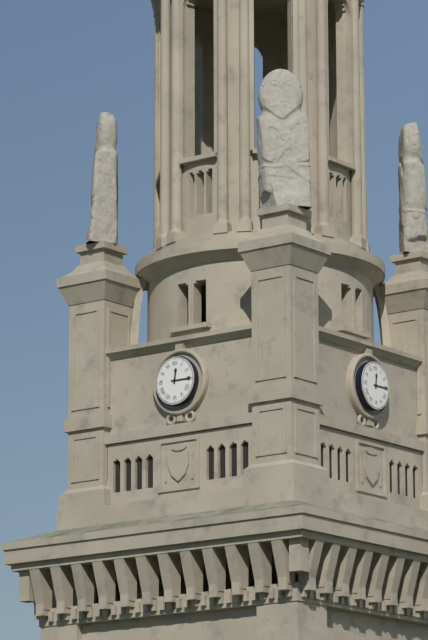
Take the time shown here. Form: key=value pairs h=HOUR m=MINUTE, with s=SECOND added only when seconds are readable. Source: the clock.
h=12 m=15
